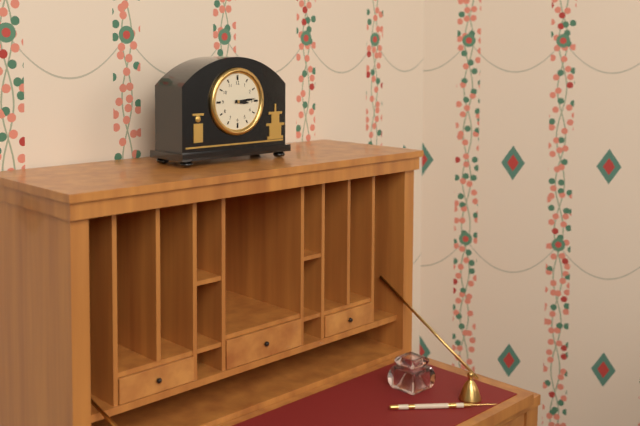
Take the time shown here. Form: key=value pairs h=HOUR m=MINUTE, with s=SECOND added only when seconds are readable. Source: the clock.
h=3 m=14
